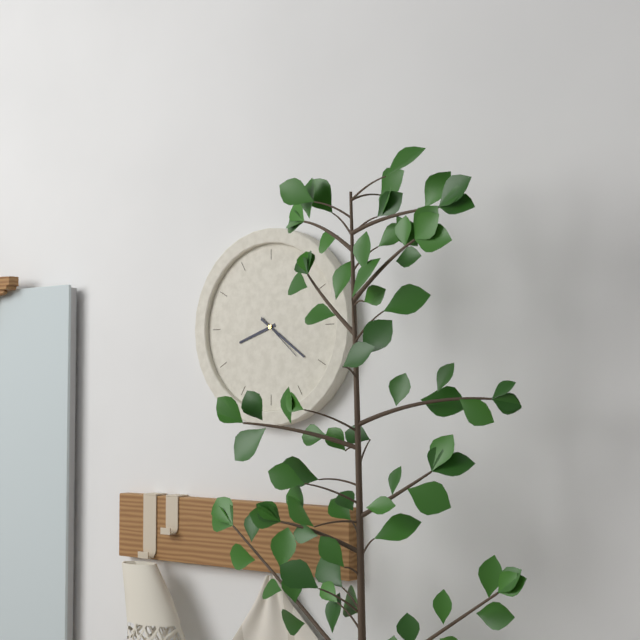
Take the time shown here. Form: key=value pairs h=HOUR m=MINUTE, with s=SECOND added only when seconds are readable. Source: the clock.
h=8 m=21
